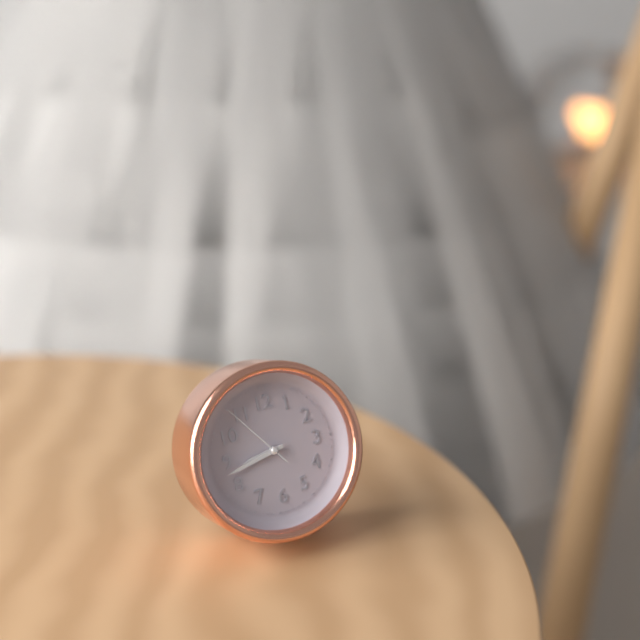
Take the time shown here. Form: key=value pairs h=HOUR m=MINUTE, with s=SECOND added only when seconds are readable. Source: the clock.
h=8 m=43 s=54
